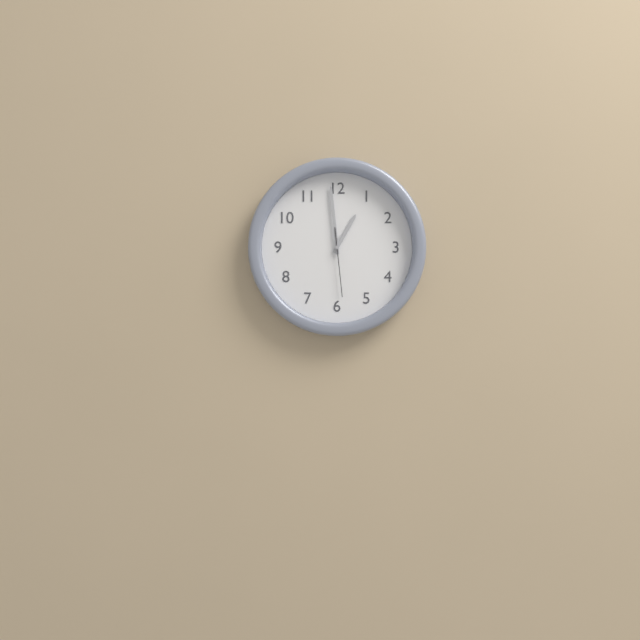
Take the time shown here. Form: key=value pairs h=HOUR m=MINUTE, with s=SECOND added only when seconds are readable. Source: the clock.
h=12 m=59 s=29
